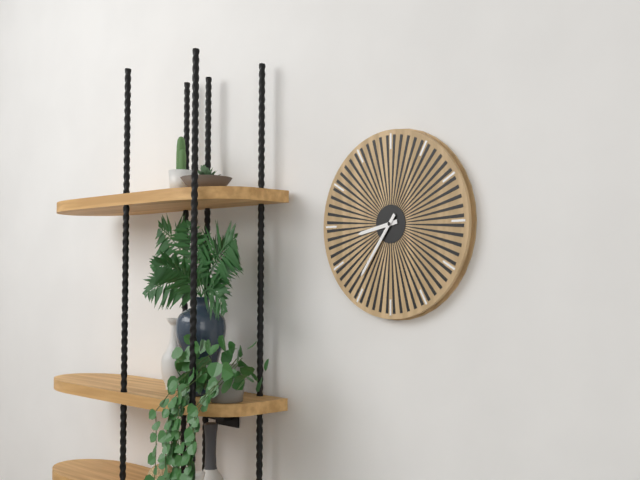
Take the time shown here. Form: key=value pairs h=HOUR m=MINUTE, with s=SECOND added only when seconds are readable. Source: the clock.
h=8 m=36
